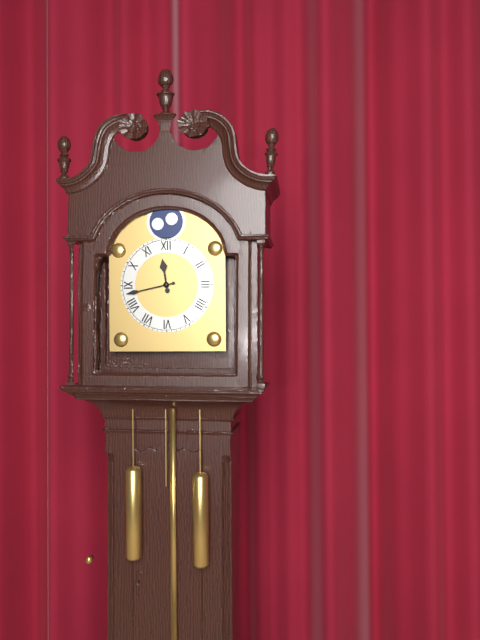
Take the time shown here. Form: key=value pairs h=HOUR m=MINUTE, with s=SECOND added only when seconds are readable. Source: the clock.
h=11 m=43
